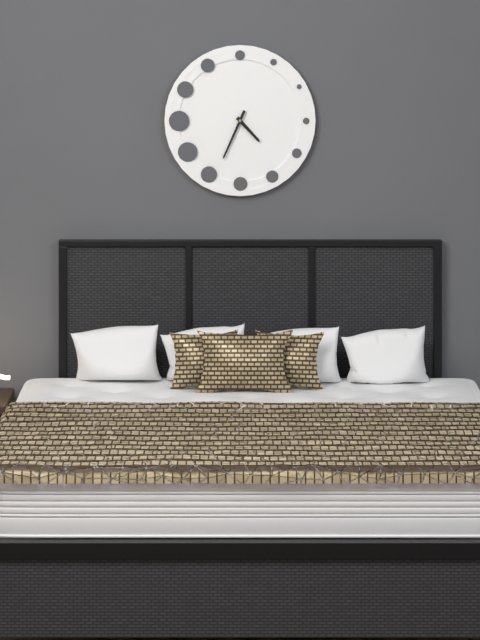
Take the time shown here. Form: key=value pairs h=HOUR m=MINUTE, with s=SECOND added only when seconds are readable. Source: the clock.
h=4 m=34
